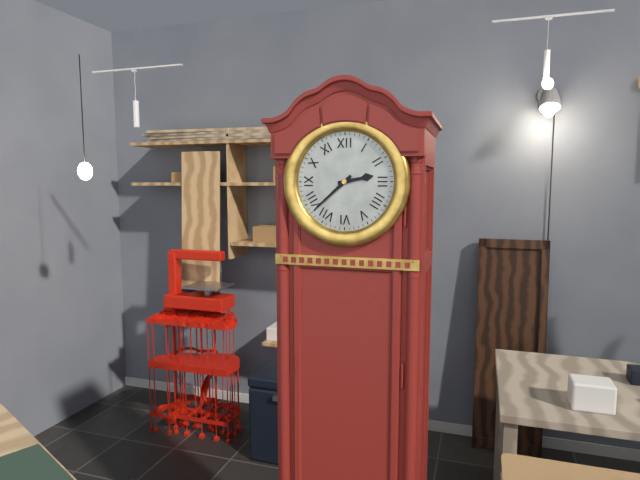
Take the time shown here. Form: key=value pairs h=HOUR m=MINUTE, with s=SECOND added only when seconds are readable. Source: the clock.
h=2 m=38
